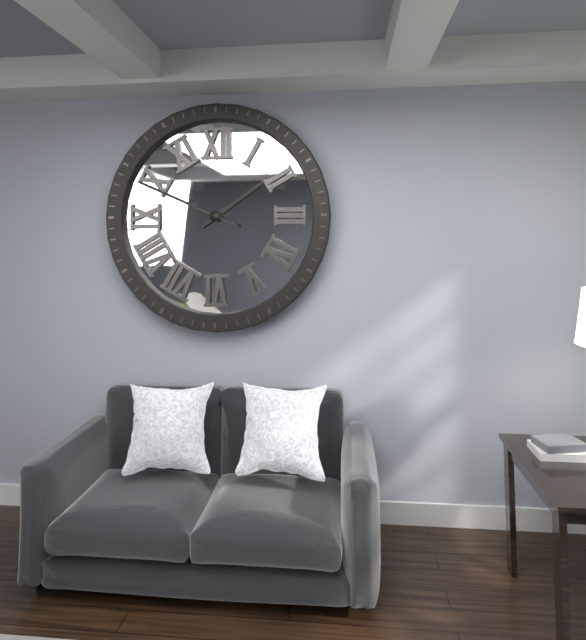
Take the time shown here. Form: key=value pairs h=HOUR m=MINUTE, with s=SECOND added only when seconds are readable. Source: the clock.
h=1 m=49
